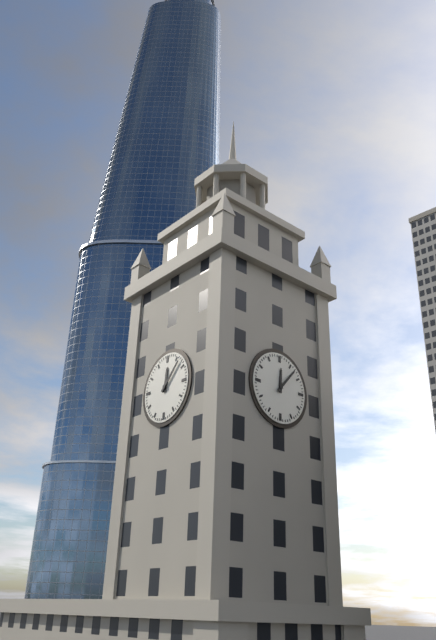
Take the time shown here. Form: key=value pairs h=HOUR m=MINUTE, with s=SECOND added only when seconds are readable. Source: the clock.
h=12 m=7
